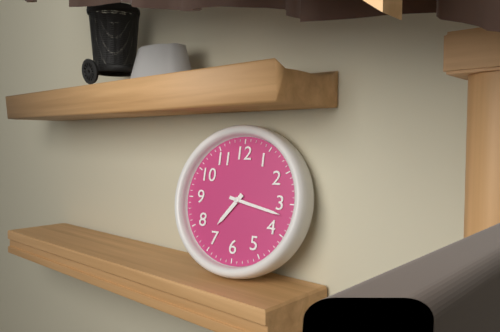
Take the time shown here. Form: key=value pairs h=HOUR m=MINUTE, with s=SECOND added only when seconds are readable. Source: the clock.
h=7 m=17
